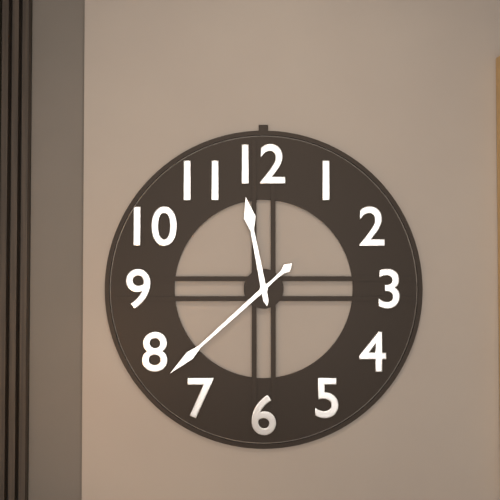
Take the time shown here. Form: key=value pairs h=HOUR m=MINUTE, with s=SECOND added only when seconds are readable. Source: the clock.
h=11 m=38
